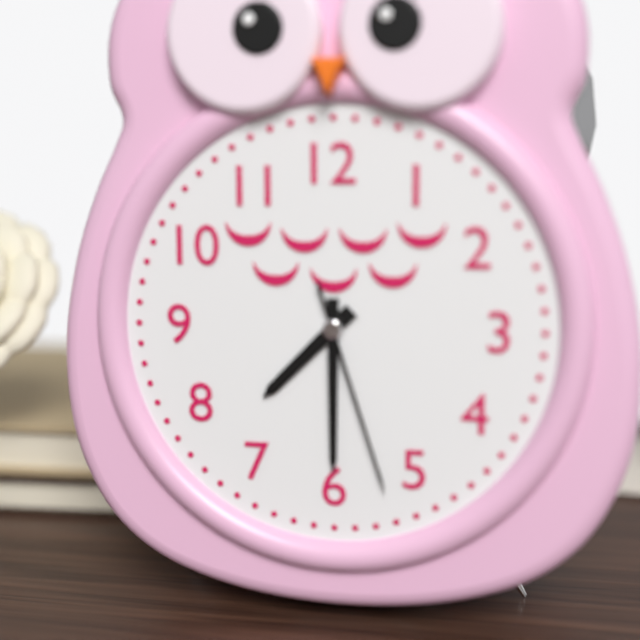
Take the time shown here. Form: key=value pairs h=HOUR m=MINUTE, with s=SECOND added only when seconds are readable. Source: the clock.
h=7 m=30 s=27
